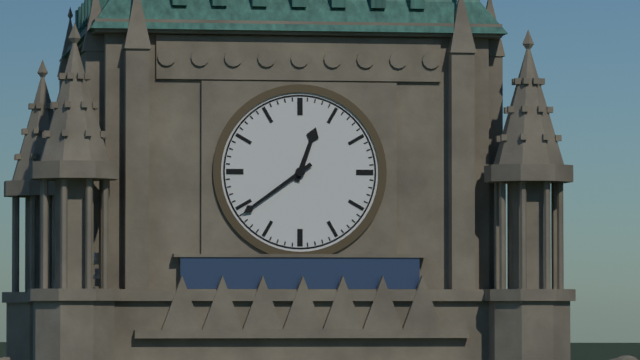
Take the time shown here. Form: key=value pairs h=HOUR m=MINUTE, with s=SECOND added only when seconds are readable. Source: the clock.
h=12 m=39
